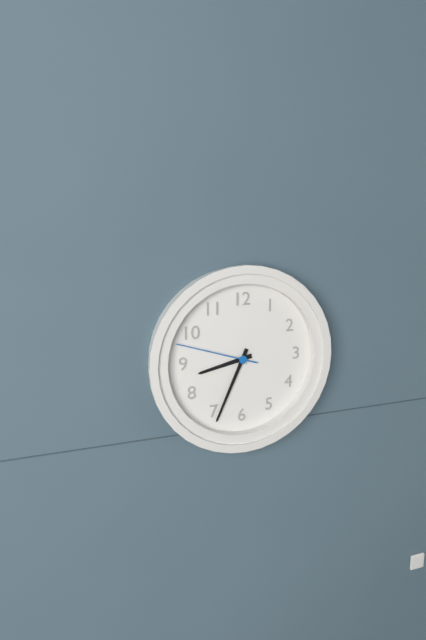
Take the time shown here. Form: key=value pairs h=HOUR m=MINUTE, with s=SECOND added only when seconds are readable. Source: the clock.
h=8 m=34 s=48
